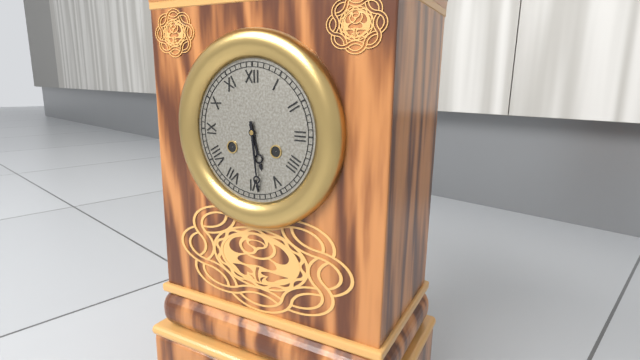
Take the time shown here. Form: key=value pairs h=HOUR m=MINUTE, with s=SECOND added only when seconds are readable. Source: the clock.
h=5 m=29
